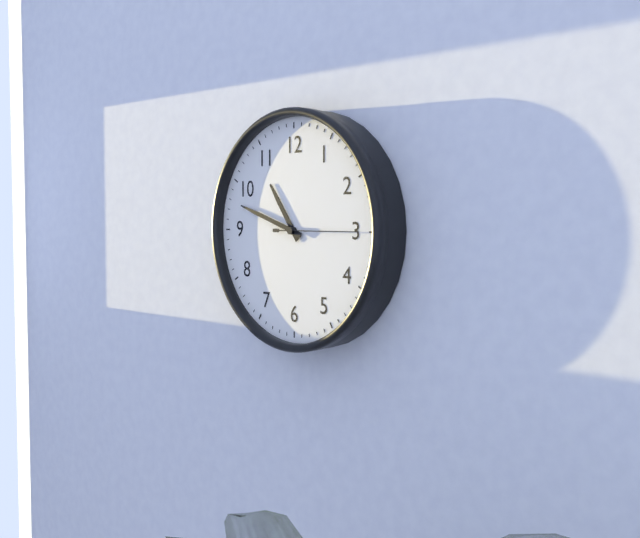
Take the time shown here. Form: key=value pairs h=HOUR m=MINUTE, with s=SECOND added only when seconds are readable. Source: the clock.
h=10 m=48 s=15
